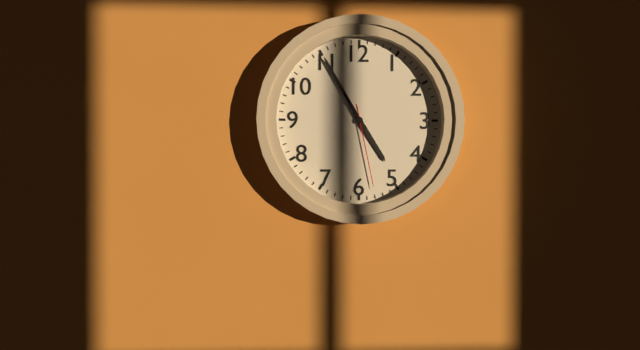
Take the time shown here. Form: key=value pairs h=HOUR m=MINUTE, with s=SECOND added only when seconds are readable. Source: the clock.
h=4 m=55 s=28
